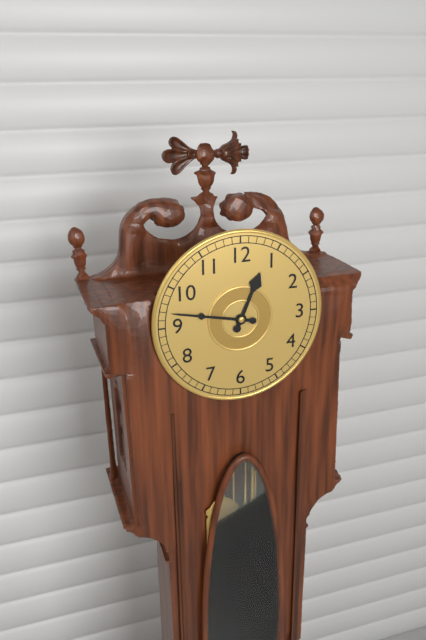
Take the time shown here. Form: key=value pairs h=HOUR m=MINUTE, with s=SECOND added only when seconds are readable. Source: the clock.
h=12 m=47
